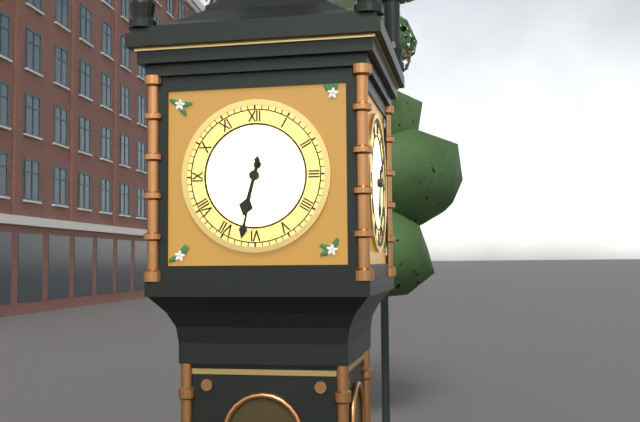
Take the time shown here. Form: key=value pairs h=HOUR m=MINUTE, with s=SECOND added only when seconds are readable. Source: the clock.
h=6 m=32
